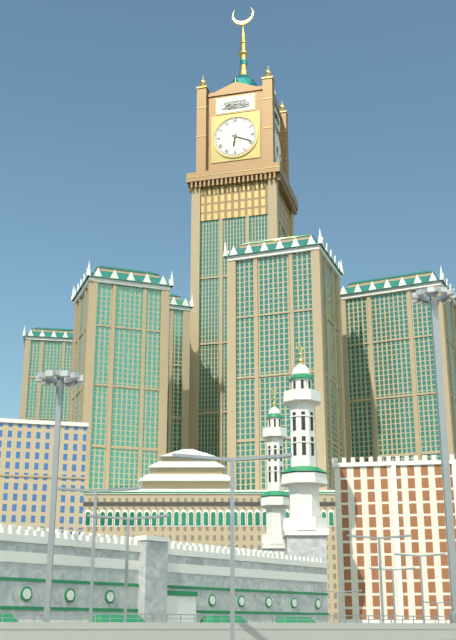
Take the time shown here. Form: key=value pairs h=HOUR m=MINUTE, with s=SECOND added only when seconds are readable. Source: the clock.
h=6 m=19
